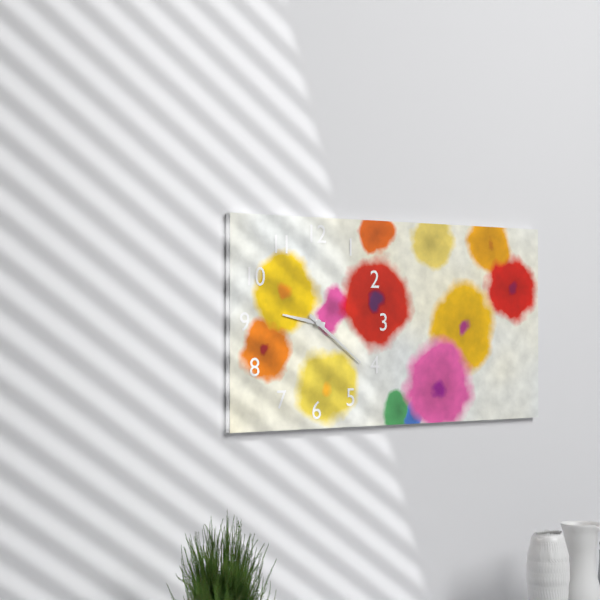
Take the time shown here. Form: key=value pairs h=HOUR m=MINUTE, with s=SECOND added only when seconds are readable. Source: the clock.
h=9 m=21
